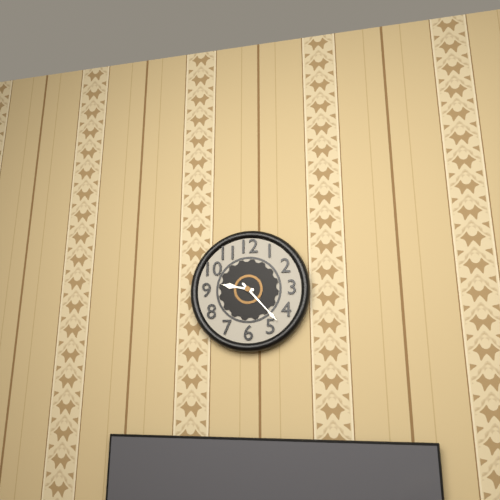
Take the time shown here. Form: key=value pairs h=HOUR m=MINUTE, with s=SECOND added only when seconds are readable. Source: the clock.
h=9 m=23
